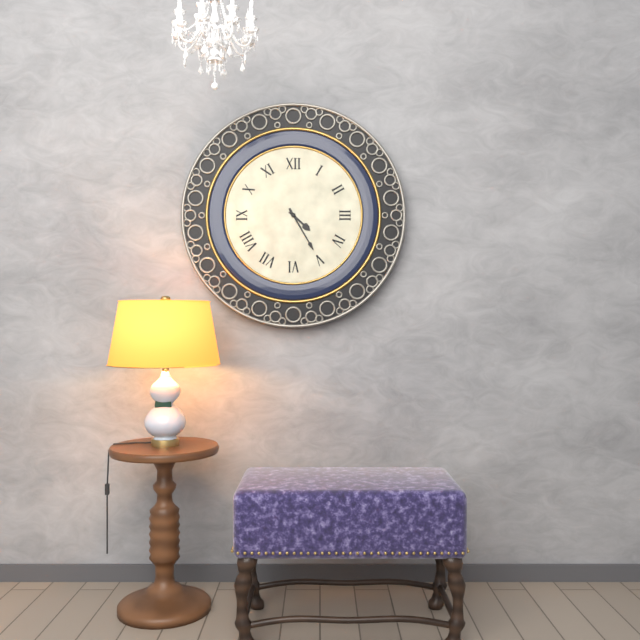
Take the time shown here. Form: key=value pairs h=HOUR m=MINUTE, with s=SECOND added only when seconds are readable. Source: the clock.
h=4 m=25
